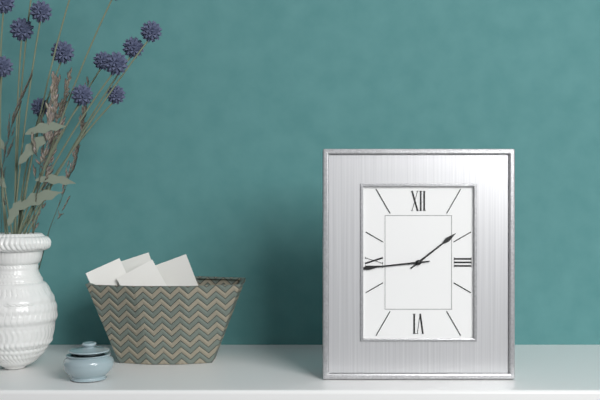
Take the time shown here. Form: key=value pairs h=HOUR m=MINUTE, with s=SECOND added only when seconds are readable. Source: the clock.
h=1 m=44
